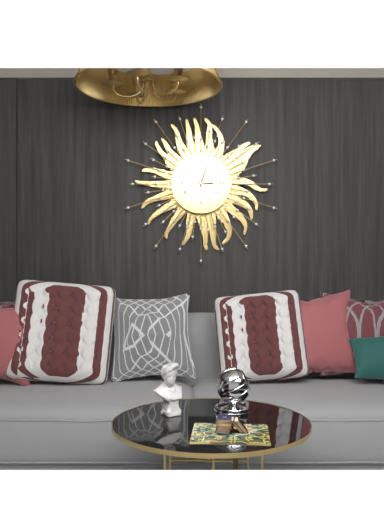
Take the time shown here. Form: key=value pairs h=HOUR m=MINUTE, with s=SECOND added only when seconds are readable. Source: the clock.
h=3 m=3
